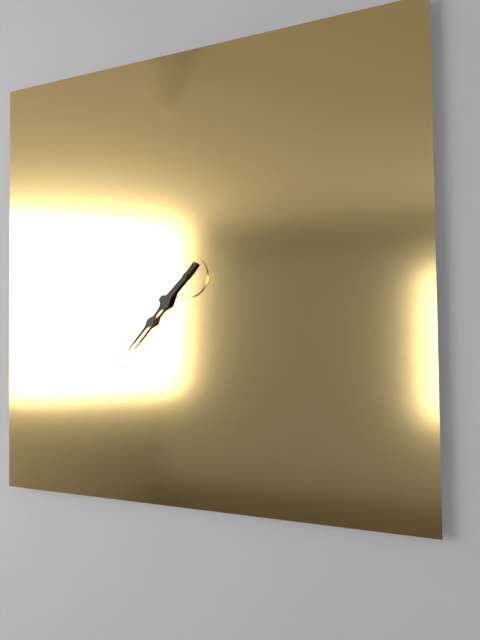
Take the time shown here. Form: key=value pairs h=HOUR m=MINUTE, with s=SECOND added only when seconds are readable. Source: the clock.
h=7 m=37
